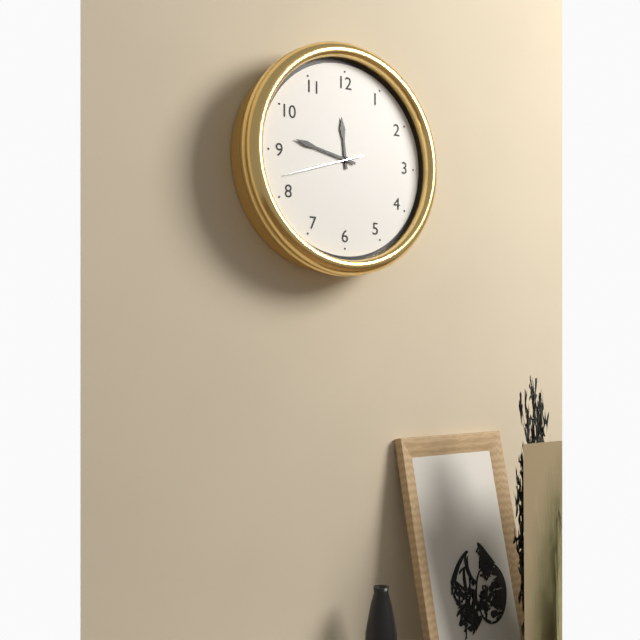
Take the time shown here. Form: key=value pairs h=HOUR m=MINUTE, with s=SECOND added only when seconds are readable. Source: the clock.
h=11 m=47 s=42
